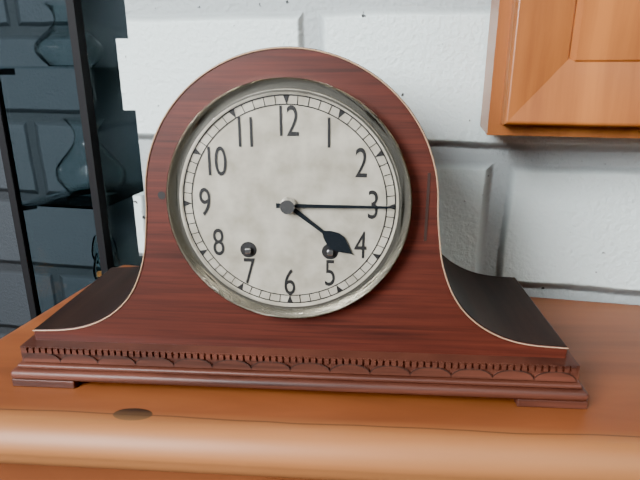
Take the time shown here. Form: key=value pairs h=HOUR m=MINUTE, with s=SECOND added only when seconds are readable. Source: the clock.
h=4 m=15
